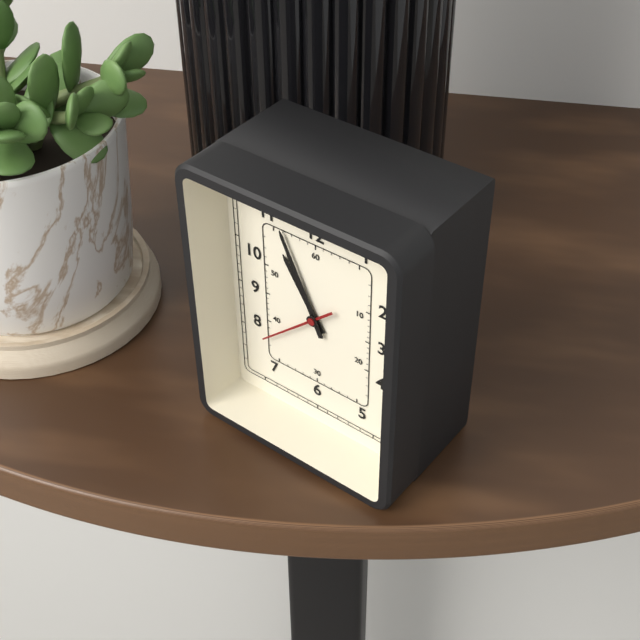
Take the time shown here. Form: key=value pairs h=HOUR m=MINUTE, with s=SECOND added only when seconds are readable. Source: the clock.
h=10 m=56 s=38
